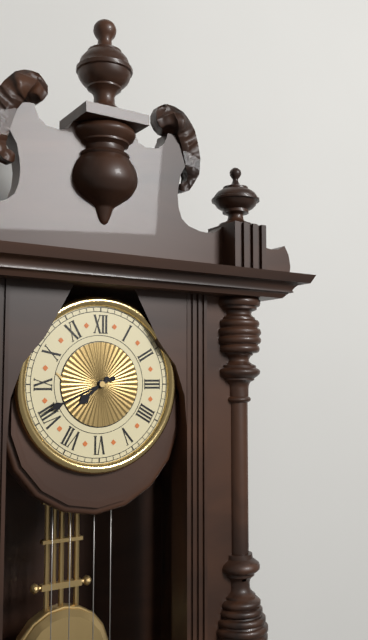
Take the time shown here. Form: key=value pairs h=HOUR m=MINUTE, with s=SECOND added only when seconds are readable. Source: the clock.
h=7 m=41
